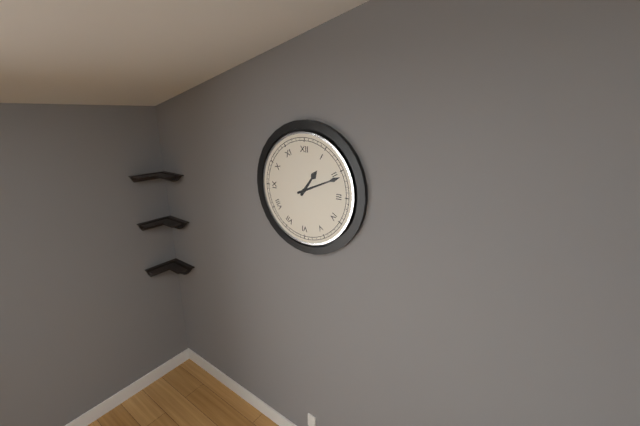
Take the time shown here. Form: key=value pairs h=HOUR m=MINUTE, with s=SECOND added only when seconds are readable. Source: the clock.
h=1 m=11
